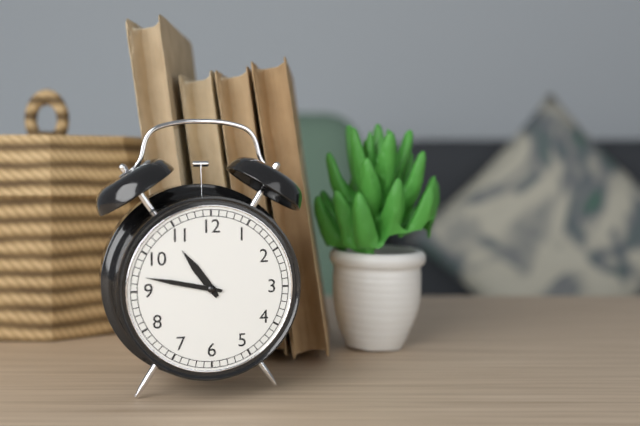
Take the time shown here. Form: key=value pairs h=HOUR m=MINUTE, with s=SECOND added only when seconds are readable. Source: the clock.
h=10 m=47
